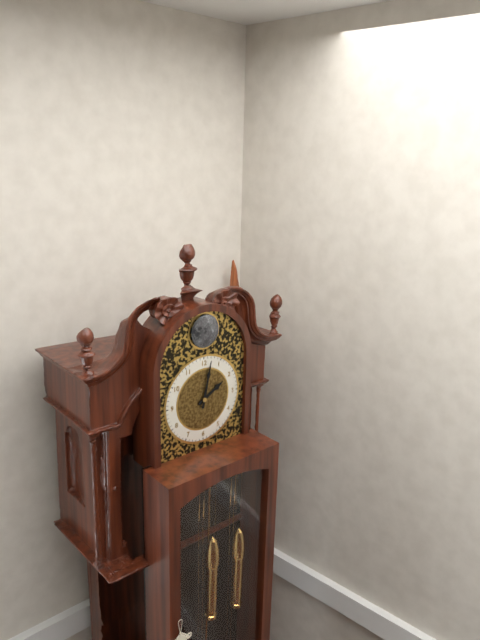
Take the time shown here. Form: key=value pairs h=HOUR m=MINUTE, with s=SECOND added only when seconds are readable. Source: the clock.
h=2 m=2
